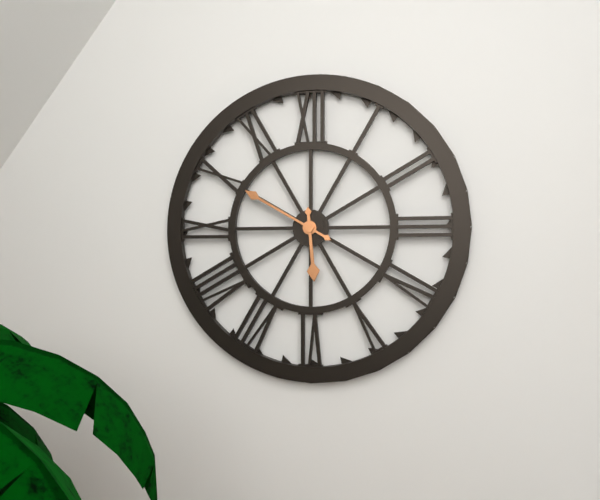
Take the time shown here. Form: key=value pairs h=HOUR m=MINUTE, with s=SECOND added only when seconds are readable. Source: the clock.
h=5 m=50
